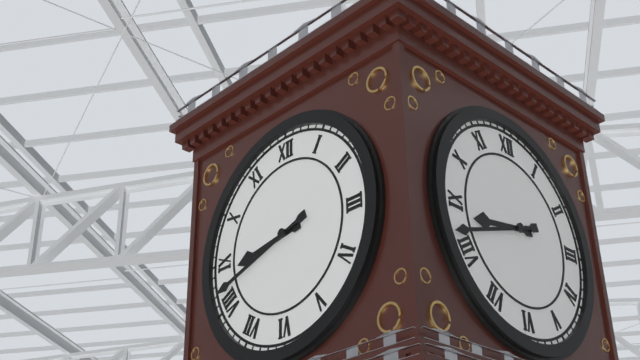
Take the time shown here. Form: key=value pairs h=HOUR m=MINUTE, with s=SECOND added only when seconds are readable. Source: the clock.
h=8 m=42
